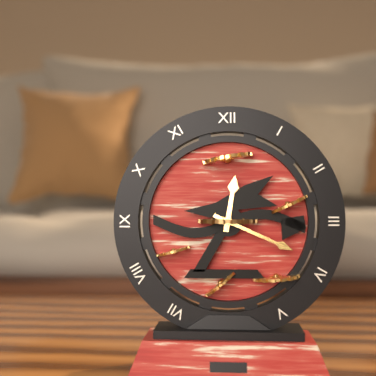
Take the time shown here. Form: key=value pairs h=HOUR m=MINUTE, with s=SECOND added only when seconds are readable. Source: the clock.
h=12 m=19
